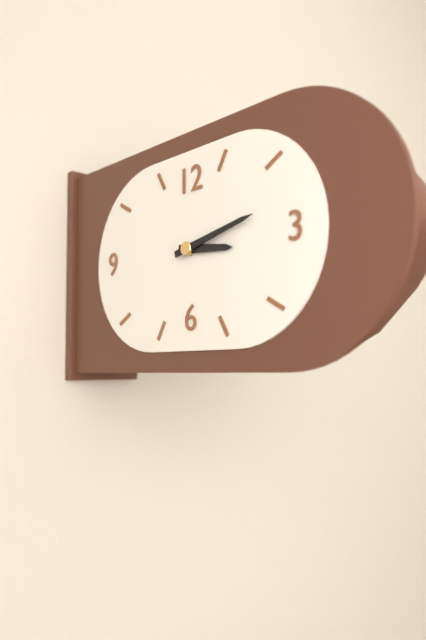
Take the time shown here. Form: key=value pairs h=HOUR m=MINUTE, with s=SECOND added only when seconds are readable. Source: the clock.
h=3 m=13
